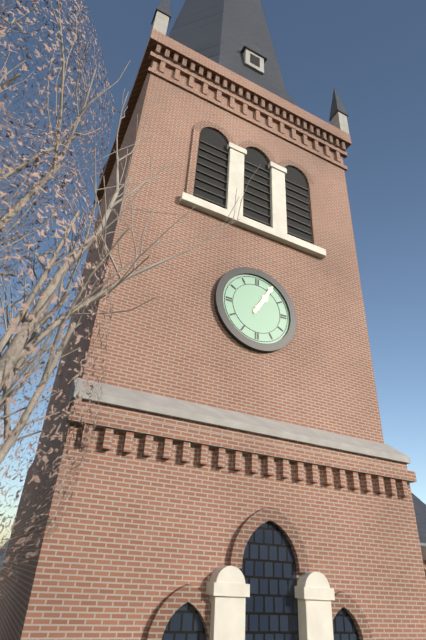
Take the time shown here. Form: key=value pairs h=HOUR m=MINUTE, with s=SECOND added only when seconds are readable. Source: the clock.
h=1 m=5
